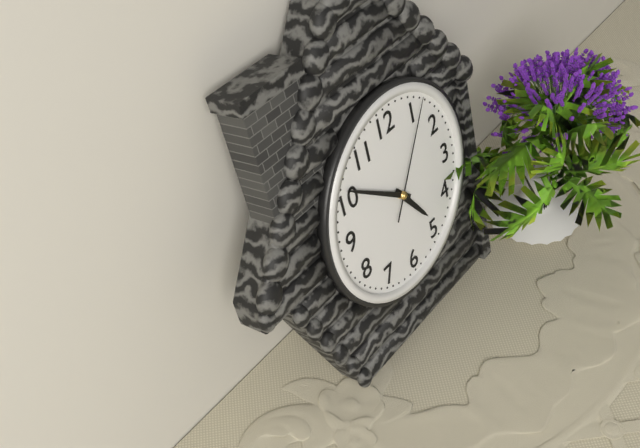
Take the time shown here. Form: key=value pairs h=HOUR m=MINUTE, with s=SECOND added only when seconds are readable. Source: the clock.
h=4 m=51 s=6
